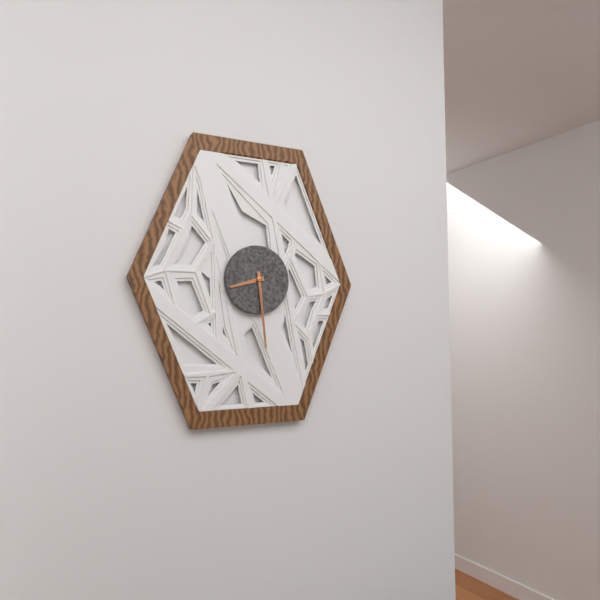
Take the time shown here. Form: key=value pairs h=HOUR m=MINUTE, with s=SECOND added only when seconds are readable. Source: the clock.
h=8 m=29
